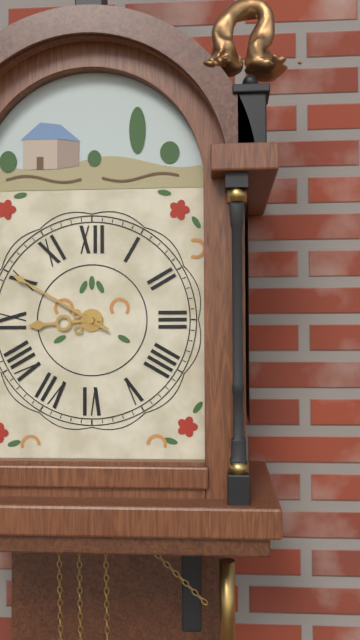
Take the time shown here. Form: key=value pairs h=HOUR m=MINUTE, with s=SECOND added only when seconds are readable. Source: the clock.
h=8 m=50
